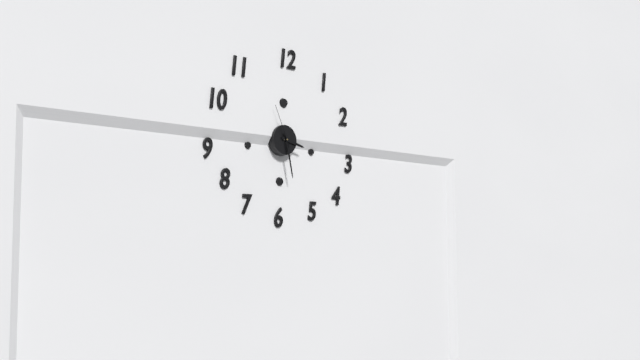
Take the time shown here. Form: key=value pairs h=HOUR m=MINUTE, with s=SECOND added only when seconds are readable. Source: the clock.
h=3 m=28
